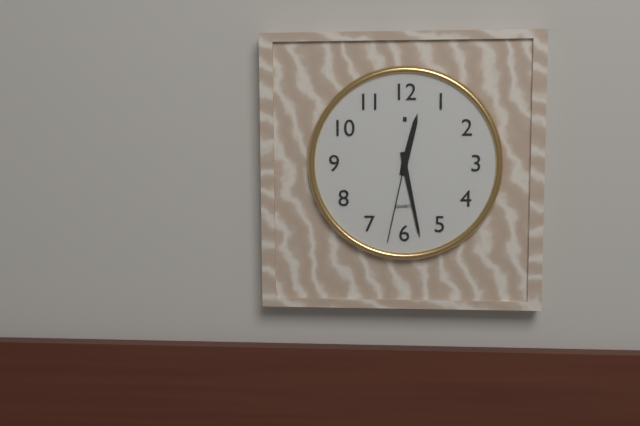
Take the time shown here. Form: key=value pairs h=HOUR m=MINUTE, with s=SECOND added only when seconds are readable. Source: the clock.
h=12 m=28 s=32
